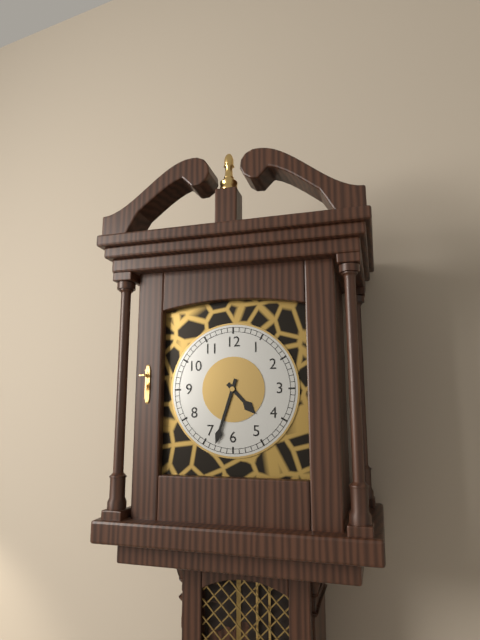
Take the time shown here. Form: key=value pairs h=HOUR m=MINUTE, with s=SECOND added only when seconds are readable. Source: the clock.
h=4 m=33
